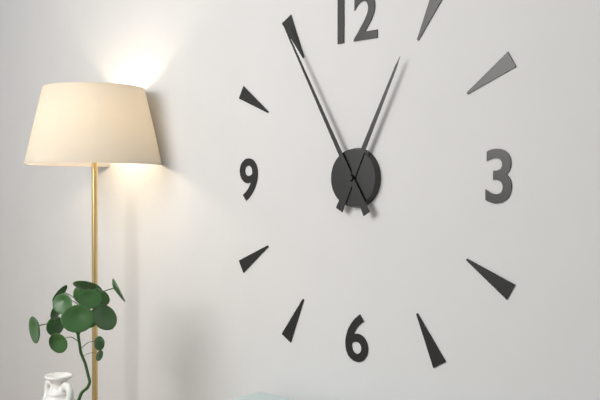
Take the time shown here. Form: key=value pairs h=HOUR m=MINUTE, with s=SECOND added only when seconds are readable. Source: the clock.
h=12 m=55
